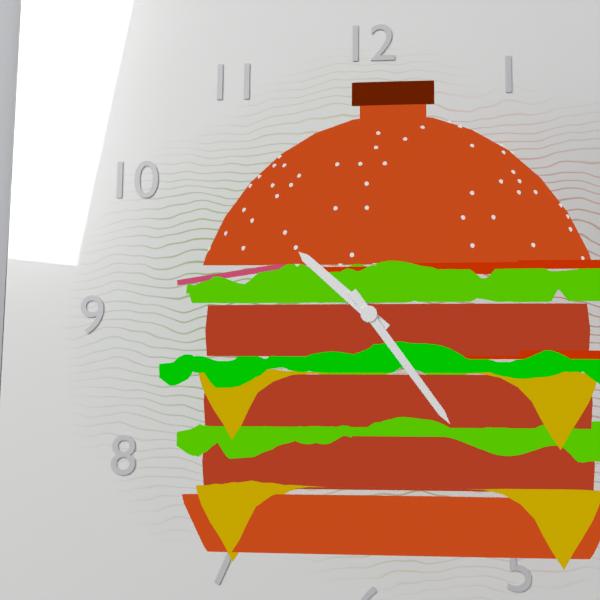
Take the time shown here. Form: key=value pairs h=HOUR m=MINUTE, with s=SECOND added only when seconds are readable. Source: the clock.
h=10 m=24
